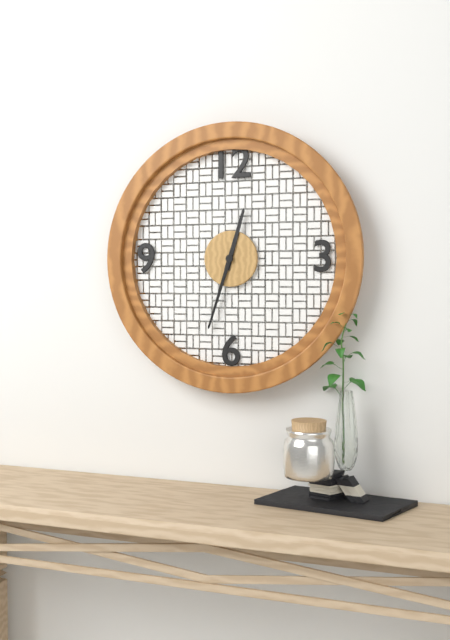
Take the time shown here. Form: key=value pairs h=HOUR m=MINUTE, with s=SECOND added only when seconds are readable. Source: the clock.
h=12 m=33
